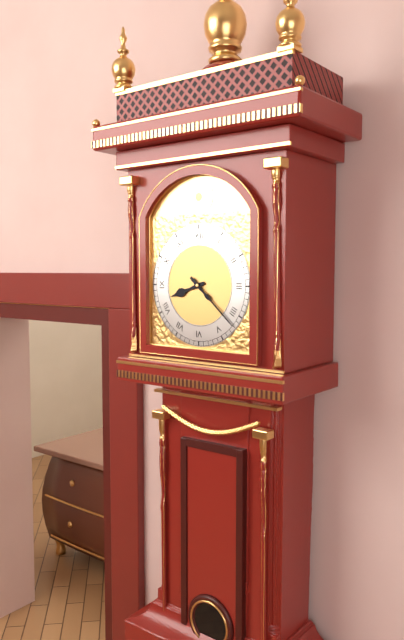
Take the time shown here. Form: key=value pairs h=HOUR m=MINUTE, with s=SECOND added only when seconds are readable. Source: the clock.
h=8 m=22
